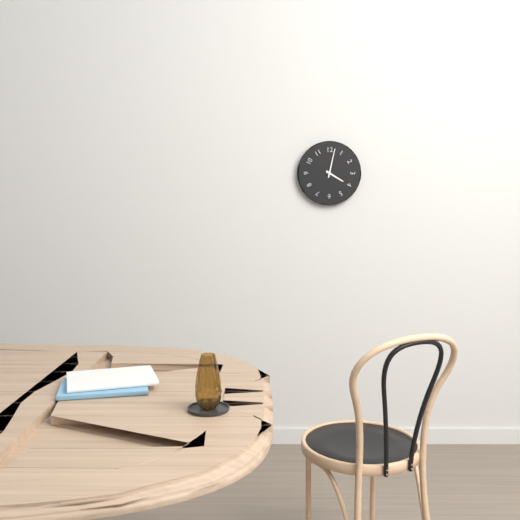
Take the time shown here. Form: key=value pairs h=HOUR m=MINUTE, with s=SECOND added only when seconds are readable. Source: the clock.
h=4 m=2
